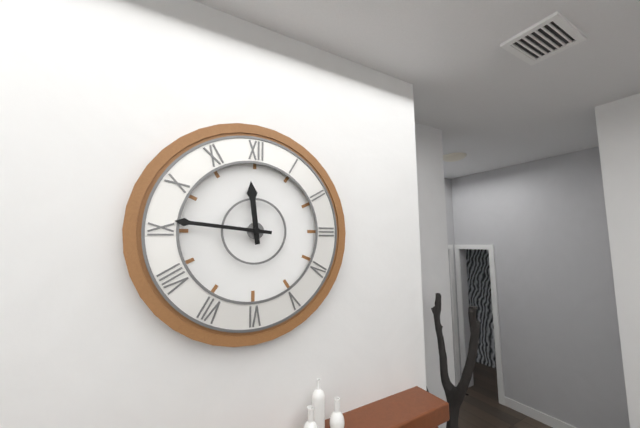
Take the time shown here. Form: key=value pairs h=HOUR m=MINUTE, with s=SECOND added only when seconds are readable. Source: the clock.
h=11 m=46
